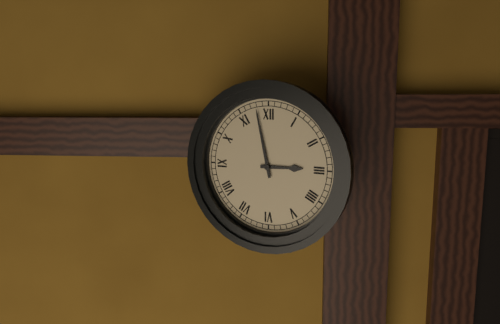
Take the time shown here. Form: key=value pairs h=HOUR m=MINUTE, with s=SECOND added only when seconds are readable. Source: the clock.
h=2 m=58
